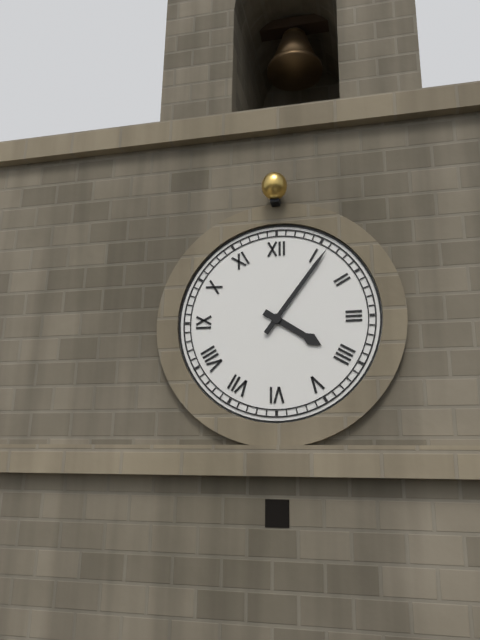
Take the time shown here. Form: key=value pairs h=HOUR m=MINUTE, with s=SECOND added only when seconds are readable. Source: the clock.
h=4 m=6
